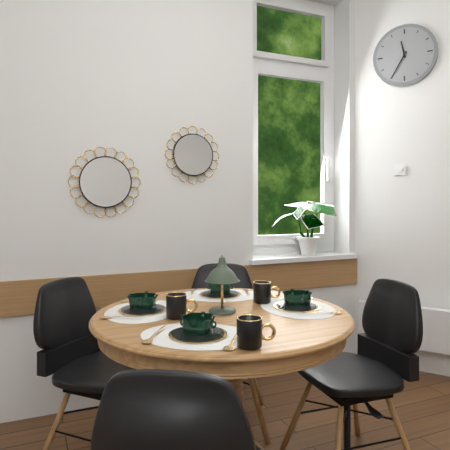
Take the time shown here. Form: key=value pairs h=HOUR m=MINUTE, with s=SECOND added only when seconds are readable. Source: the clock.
h=11 m=35
